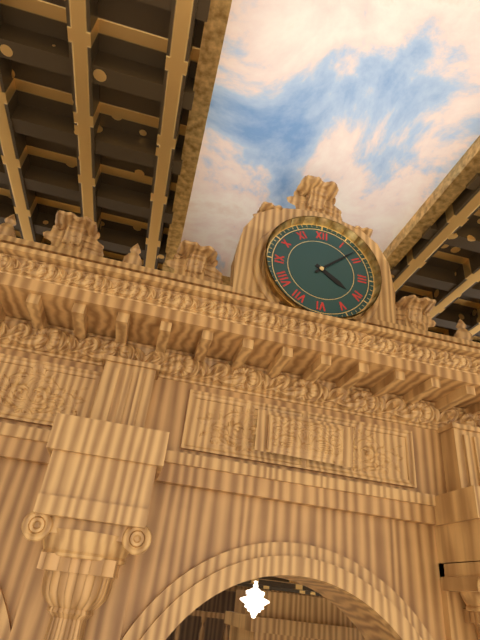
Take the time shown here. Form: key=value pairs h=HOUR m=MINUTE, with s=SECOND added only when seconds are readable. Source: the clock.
h=4 m=8
